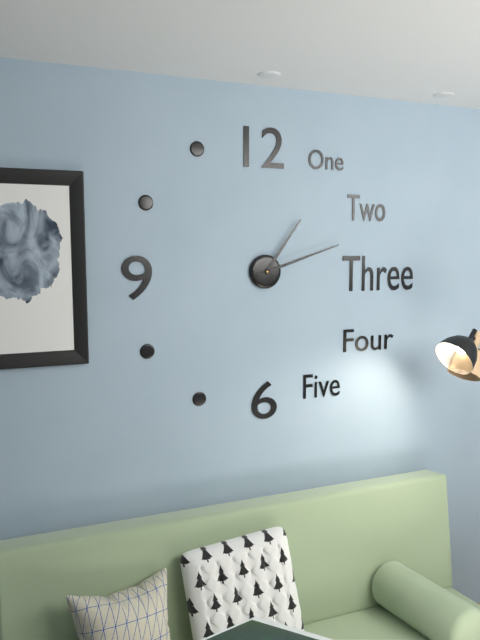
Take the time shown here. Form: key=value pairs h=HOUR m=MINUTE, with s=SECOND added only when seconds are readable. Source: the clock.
h=1 m=12
